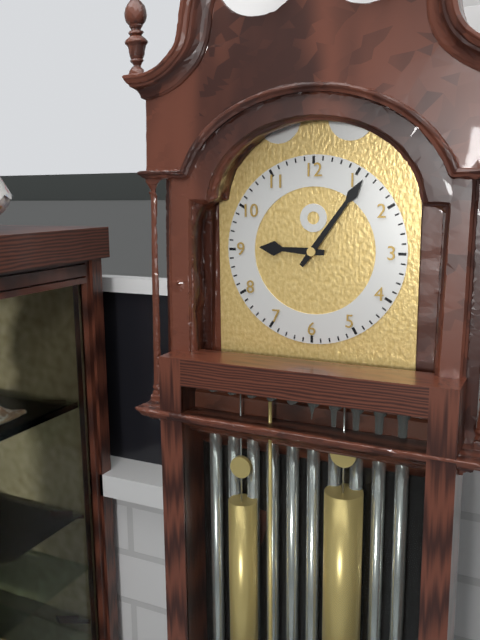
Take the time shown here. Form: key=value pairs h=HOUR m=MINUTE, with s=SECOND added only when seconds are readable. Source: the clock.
h=9 m=6
